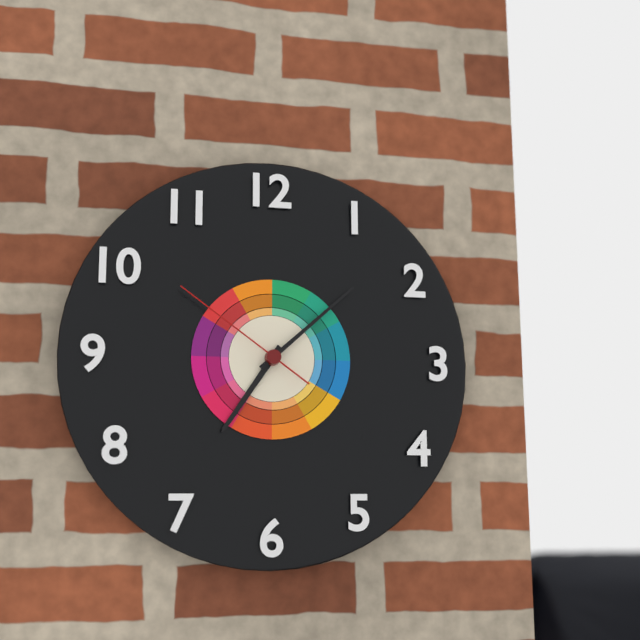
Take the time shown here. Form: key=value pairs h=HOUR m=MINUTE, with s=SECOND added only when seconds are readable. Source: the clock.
h=7 m=8 s=51
